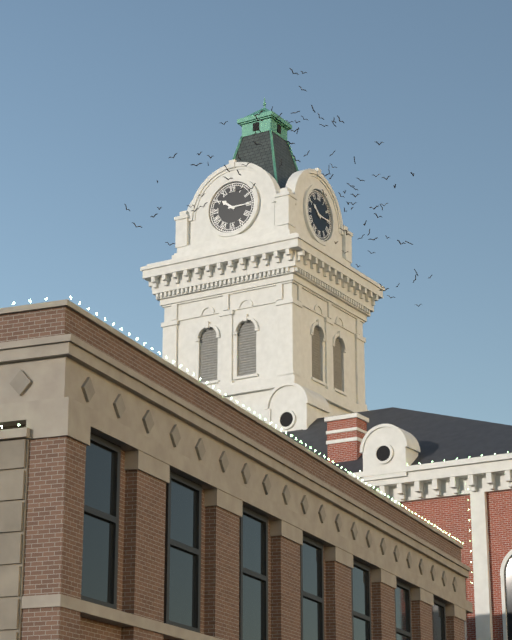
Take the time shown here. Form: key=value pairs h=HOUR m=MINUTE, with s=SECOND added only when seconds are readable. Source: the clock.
h=10 m=15
